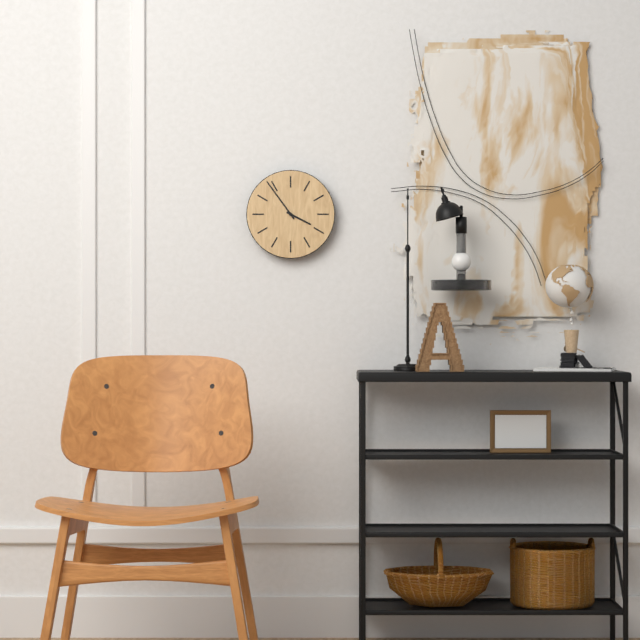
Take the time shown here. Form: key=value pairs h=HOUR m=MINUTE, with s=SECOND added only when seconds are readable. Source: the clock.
h=3 m=54
